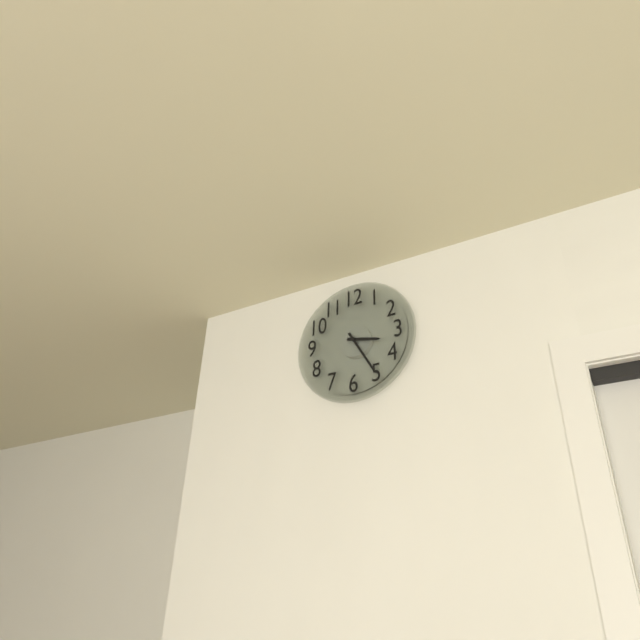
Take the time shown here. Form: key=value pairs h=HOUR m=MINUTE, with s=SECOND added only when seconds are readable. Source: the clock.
h=3 m=25
